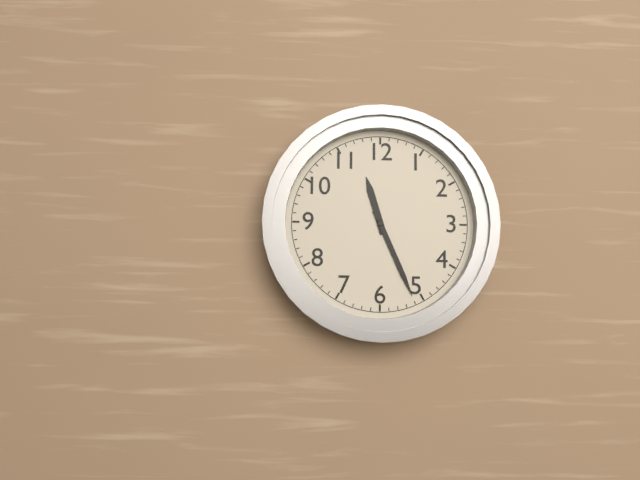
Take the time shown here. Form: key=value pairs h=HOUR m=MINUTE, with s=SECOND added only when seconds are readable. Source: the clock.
h=11 m=26
